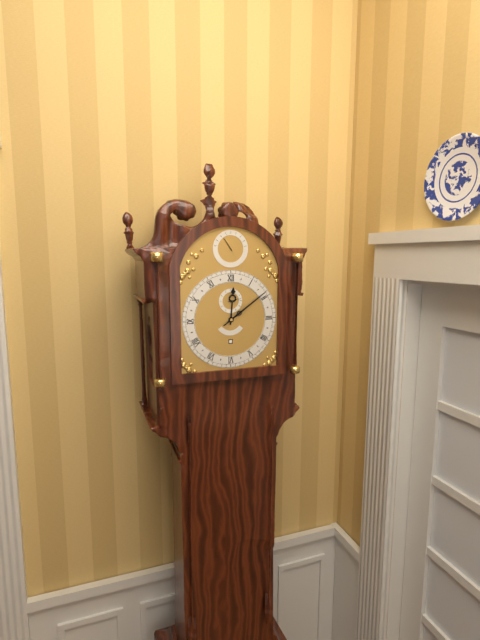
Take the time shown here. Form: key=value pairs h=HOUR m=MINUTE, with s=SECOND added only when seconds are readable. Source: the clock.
h=12 m=9
